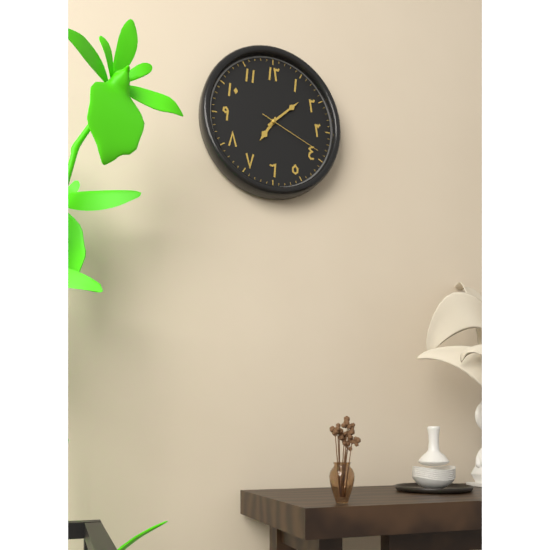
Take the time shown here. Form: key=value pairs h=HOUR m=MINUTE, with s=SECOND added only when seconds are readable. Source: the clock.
h=7 m=8 s=19
